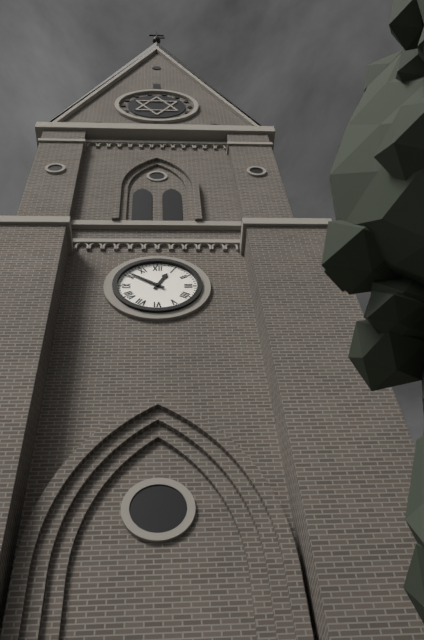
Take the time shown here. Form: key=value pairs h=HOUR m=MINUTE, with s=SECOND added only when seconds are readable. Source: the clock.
h=12 m=51
